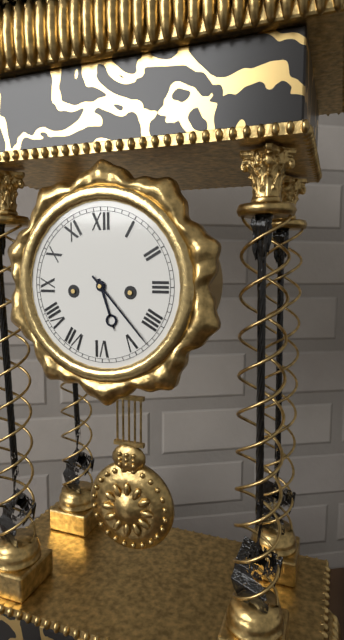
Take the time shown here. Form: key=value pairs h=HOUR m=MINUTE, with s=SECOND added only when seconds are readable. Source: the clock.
h=5 m=23
